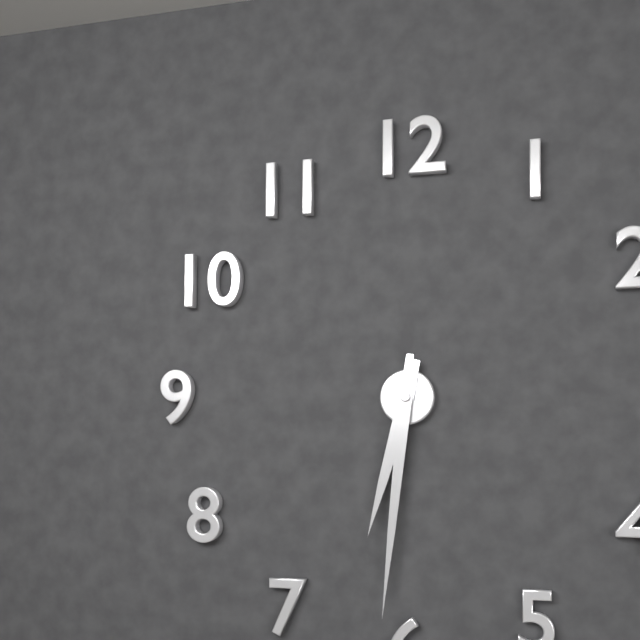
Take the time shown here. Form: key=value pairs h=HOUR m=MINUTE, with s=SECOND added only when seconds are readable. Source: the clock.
h=6 m=31
